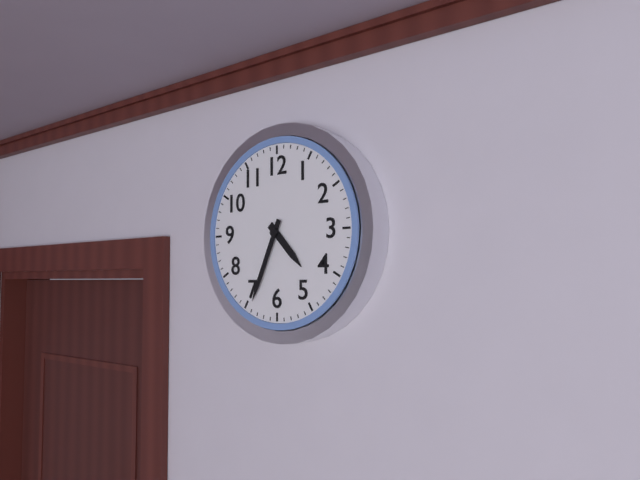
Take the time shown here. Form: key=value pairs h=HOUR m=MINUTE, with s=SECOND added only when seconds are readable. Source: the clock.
h=4 m=34
